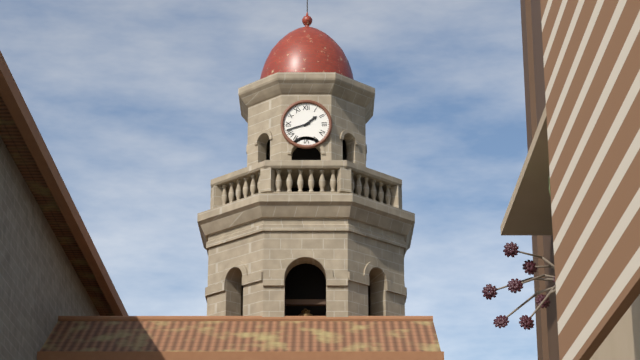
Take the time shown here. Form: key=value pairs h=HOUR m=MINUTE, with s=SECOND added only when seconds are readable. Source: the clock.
h=1 m=42
